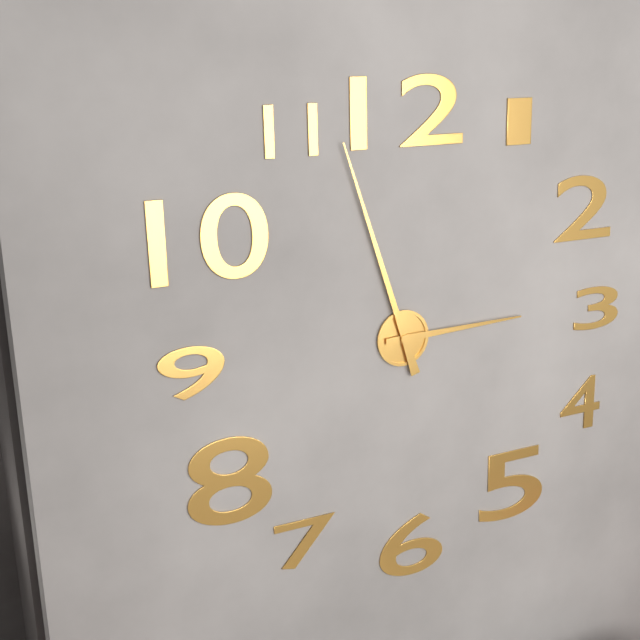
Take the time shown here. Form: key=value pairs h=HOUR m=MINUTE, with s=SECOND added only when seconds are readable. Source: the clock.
h=2 m=57
